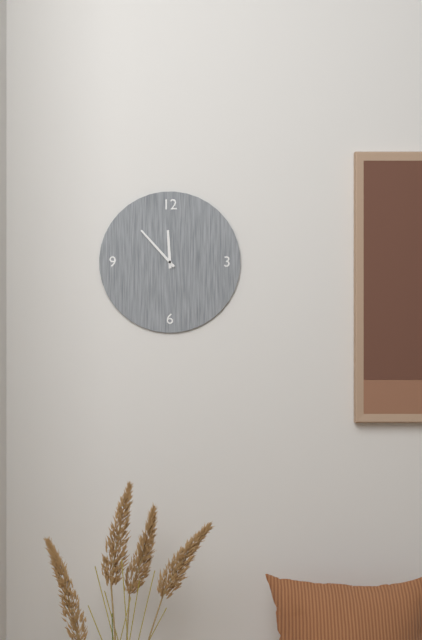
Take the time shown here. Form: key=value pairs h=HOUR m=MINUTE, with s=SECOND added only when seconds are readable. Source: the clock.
h=11 m=53
